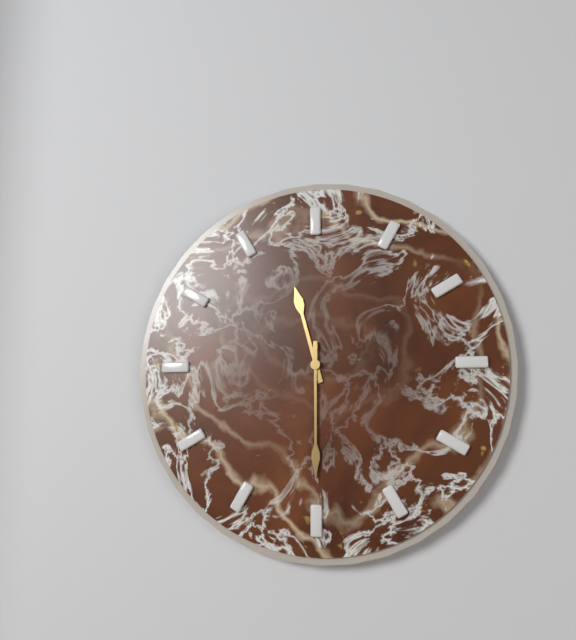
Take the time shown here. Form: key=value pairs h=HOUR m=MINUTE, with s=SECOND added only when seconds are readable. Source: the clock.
h=11 m=30
